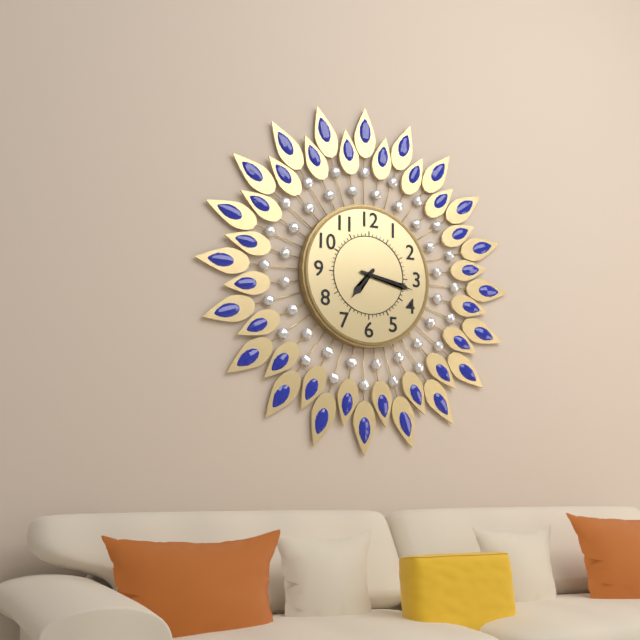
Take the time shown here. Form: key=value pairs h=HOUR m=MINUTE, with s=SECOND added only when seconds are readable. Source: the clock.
h=7 m=17
